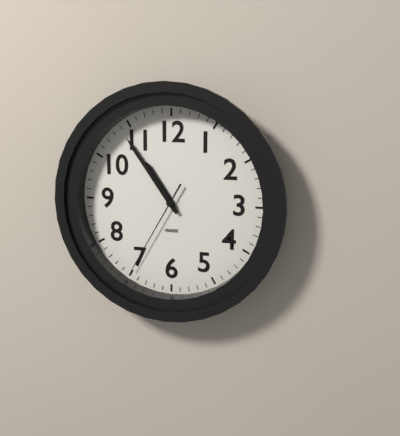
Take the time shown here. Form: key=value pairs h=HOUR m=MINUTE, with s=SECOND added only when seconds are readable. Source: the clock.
h=10 m=54 s=35
